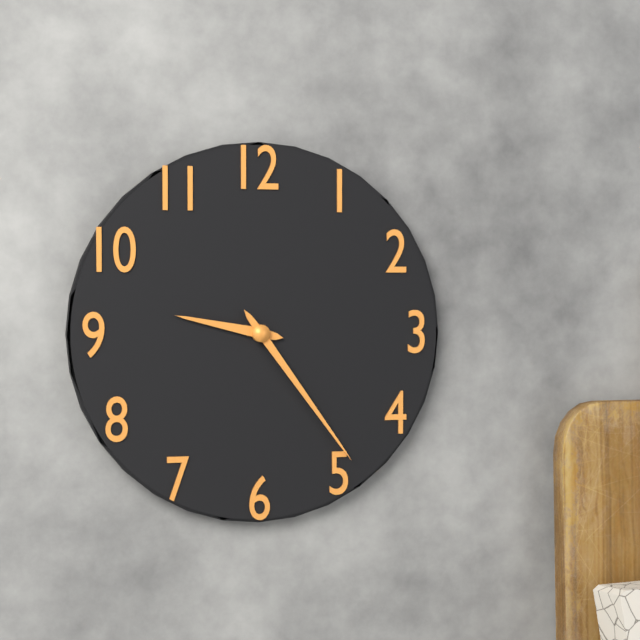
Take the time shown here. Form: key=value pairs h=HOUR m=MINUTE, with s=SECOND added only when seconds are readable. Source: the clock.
h=9 m=24
